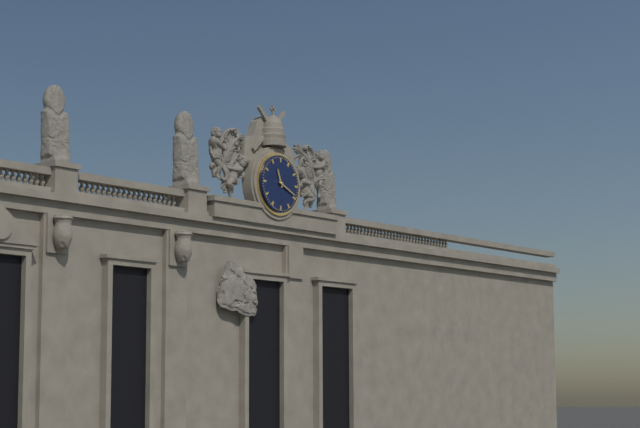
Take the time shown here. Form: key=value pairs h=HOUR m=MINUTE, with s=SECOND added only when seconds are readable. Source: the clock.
h=11 m=19
